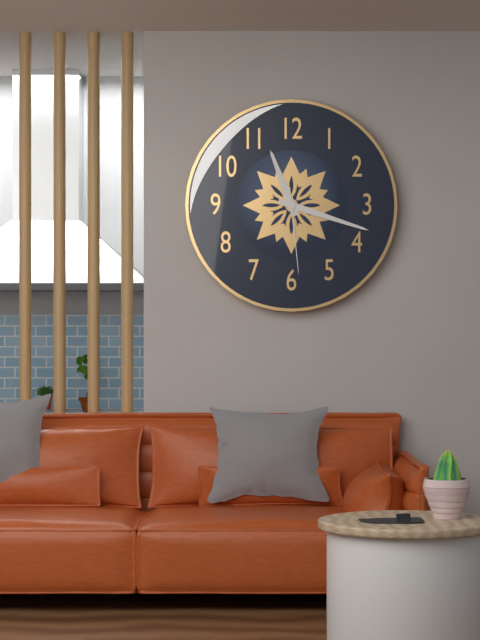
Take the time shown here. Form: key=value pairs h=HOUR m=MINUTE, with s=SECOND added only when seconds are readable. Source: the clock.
h=11 m=18 s=29
